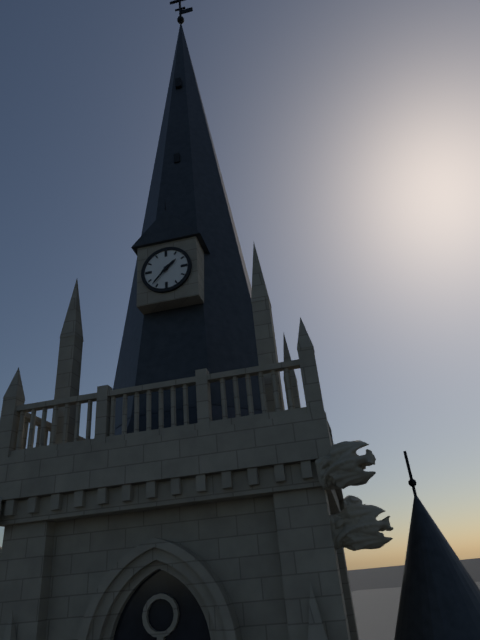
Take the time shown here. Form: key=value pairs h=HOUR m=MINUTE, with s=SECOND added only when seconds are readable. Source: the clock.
h=1 m=37
